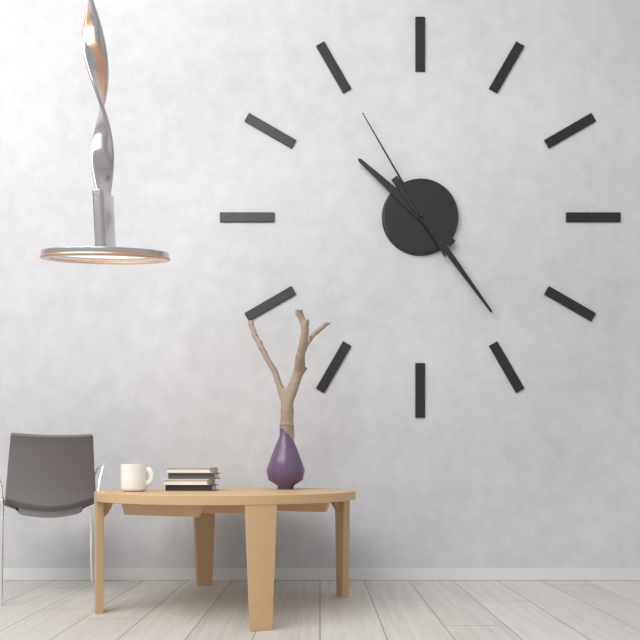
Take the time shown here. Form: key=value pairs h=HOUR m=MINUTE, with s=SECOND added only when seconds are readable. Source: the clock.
h=10 m=24 s=55
